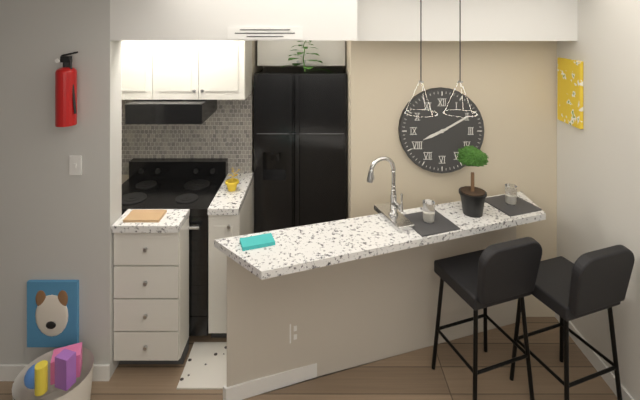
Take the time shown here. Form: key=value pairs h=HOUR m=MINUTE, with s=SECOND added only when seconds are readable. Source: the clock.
h=8 m=10
